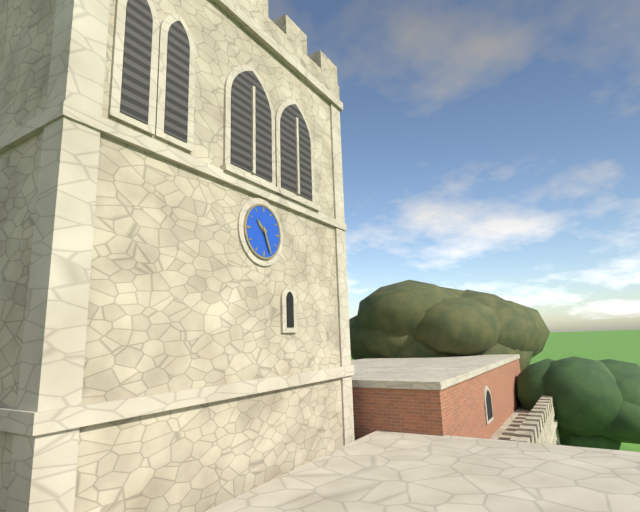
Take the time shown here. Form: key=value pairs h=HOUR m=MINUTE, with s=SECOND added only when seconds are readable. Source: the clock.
h=10 m=26
